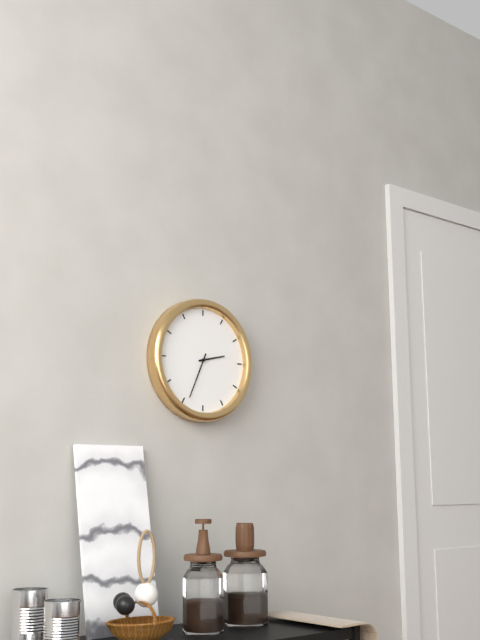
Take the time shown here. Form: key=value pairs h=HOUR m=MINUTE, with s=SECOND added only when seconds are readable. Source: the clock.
h=2 m=34
